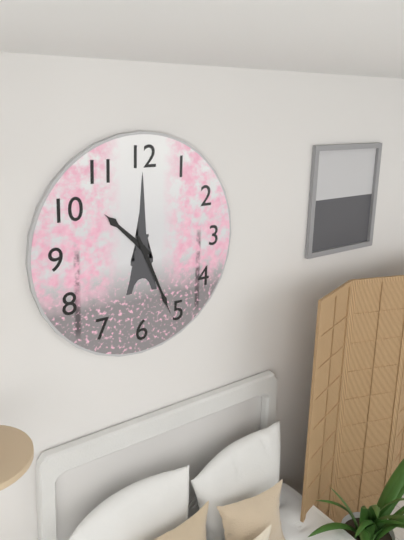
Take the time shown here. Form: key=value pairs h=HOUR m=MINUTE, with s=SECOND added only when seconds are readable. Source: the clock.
h=10 m=26
